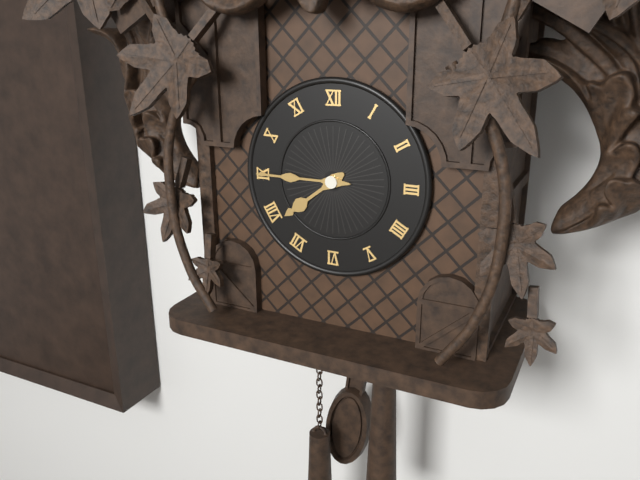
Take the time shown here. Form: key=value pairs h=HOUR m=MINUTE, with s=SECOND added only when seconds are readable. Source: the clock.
h=7 m=45
